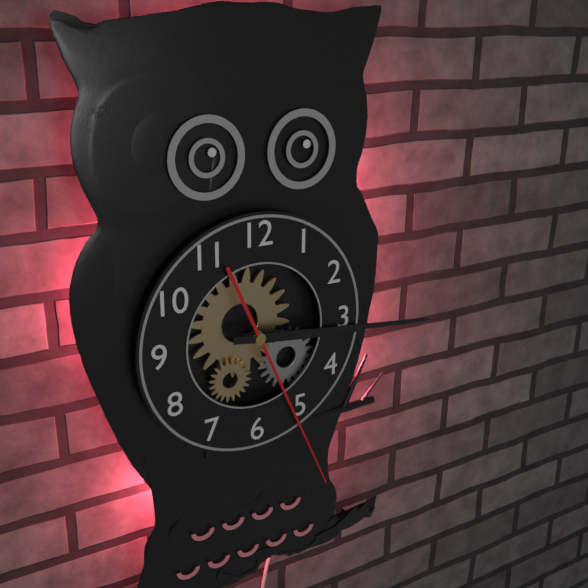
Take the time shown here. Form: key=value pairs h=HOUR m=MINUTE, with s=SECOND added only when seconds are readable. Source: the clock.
h=3 m=16 s=26
